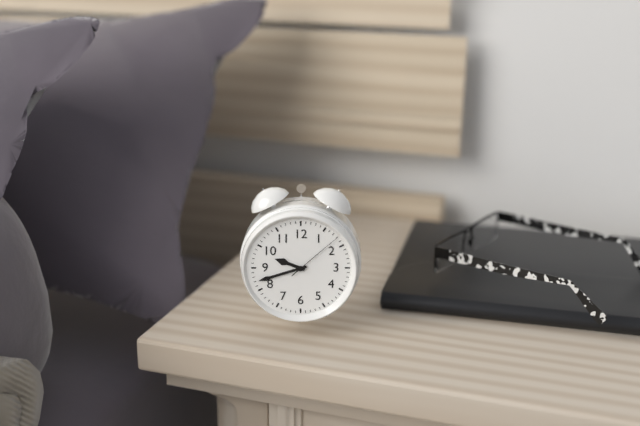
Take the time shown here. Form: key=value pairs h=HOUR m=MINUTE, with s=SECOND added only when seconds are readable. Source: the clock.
h=9 m=42 s=8
